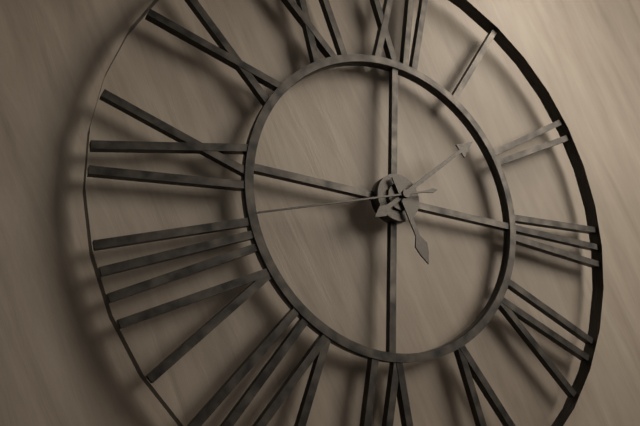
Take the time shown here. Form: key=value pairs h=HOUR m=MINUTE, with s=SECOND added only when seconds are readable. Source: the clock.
h=5 m=8 s=42
